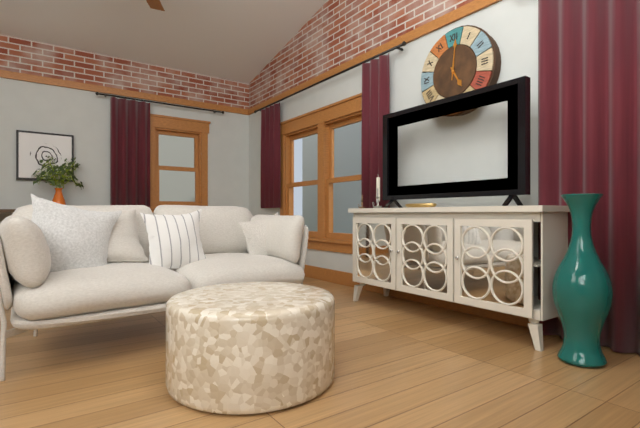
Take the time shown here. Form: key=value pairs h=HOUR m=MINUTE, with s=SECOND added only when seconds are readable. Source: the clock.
h=5 m=1
